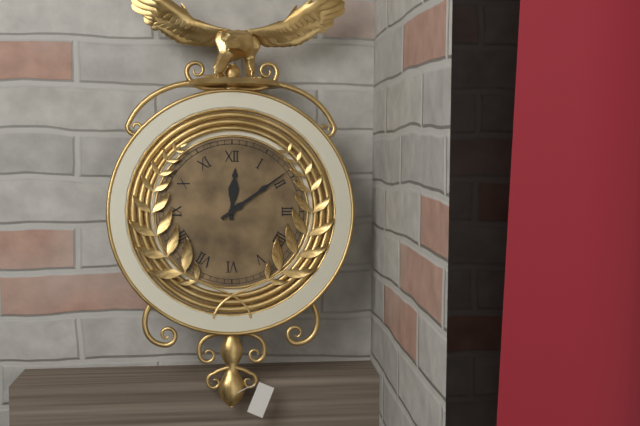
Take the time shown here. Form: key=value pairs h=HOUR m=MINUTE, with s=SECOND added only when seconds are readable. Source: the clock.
h=12 m=9
